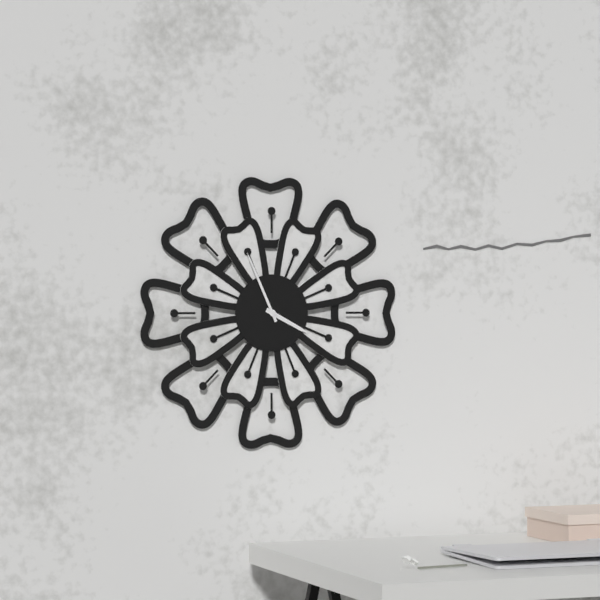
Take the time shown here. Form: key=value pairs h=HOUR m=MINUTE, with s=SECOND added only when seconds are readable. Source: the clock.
h=3 m=56
